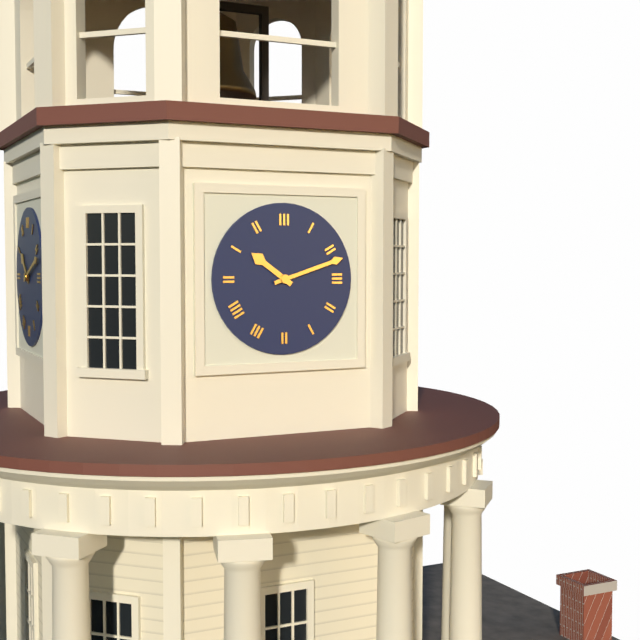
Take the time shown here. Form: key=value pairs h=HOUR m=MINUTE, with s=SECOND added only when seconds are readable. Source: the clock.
h=10 m=12
